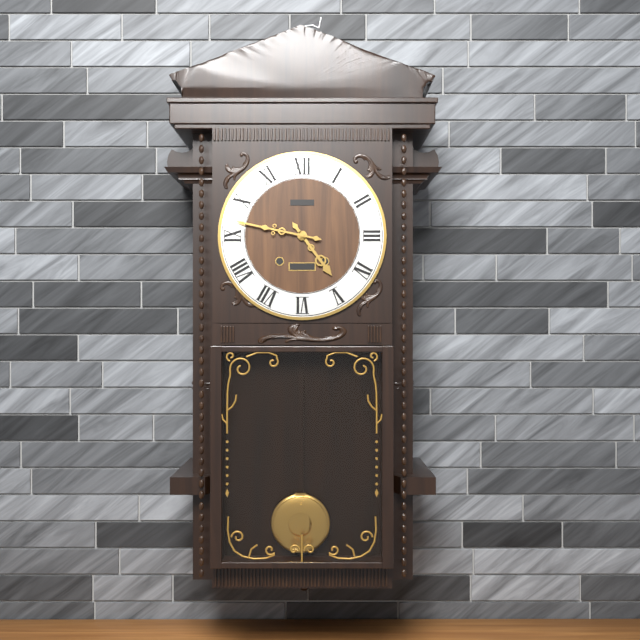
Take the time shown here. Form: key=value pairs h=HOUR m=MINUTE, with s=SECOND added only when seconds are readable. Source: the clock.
h=4 m=47
